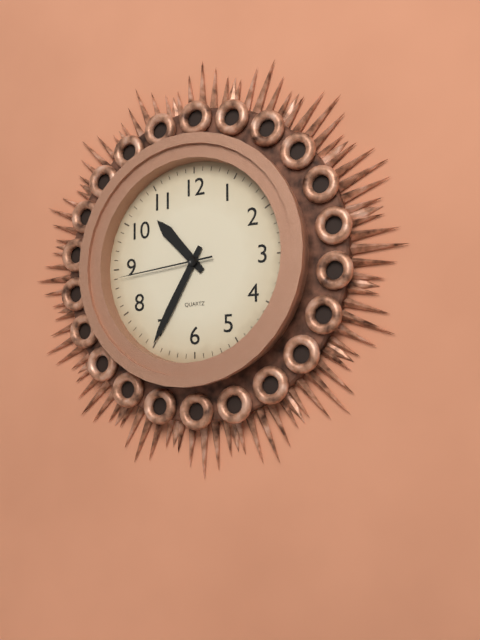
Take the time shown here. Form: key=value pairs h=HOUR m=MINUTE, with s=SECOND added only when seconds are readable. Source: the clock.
h=10 m=35 s=44
